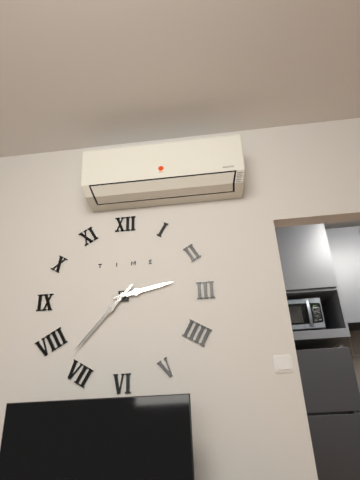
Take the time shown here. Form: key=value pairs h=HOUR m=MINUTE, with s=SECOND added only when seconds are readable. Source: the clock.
h=2 m=37
